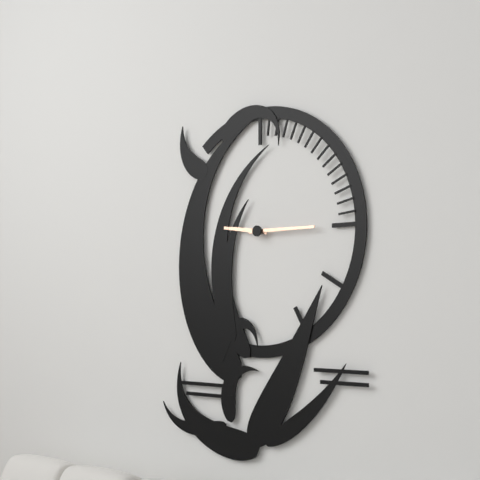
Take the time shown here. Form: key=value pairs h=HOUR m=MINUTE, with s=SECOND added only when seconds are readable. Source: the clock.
h=9 m=15
